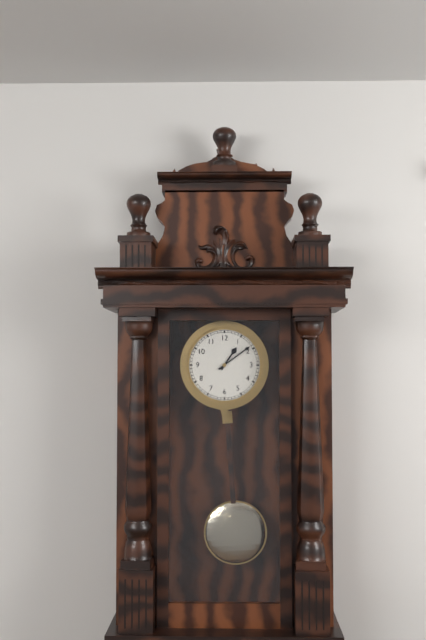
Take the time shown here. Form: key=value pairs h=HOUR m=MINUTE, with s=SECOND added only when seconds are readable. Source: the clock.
h=1 m=9
